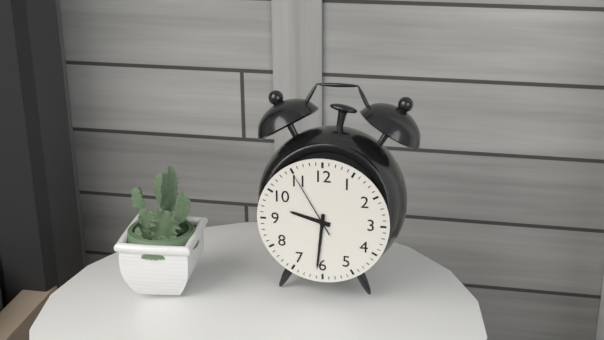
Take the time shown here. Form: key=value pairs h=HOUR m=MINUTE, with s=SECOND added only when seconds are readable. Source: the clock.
h=9 m=31 s=55
